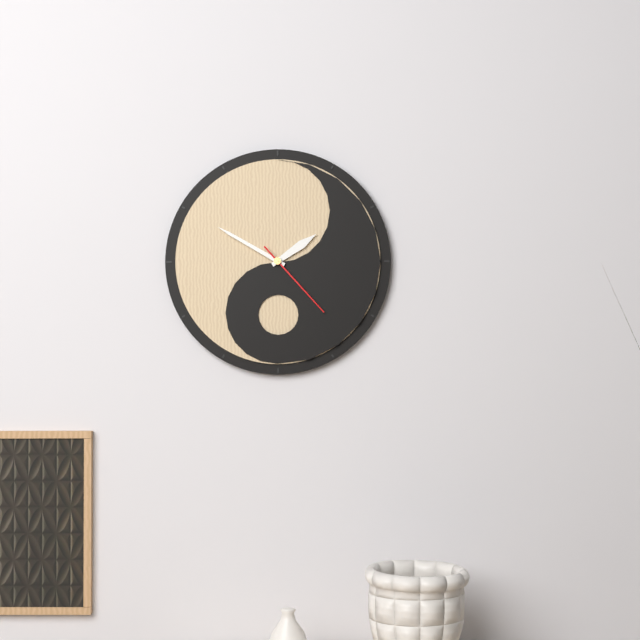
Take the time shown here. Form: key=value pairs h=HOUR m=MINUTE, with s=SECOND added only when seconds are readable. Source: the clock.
h=1 m=50 s=23
